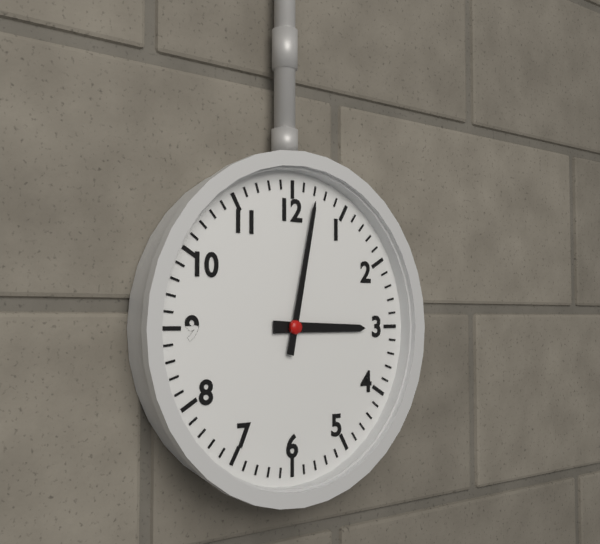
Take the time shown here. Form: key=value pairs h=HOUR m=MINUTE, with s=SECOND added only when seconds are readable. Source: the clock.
h=3 m=2
